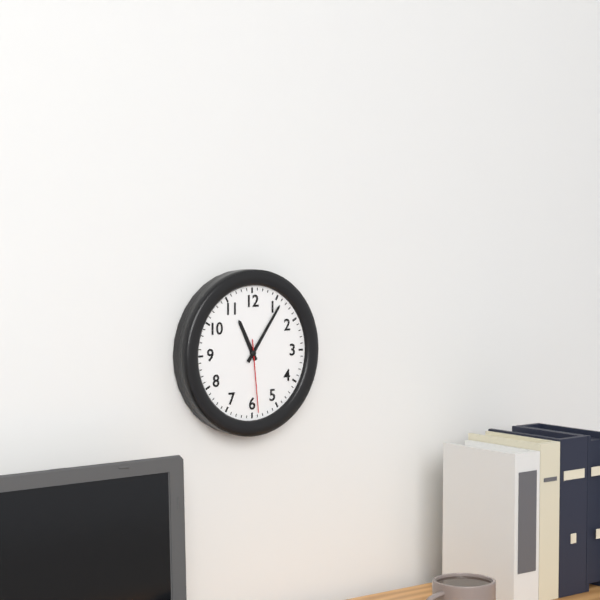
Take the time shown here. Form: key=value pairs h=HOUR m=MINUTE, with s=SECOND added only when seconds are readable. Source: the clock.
h=11 m=6 s=29
